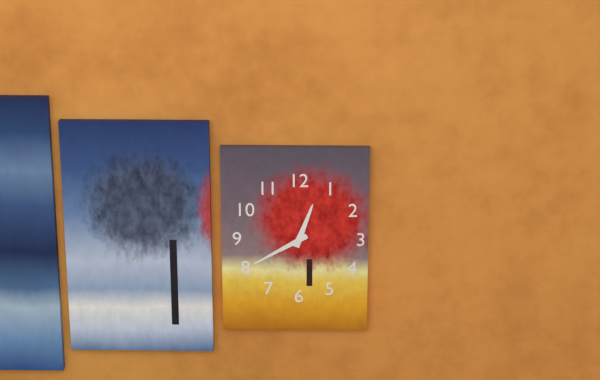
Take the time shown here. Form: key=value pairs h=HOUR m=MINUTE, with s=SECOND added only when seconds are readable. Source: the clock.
h=12 m=40
